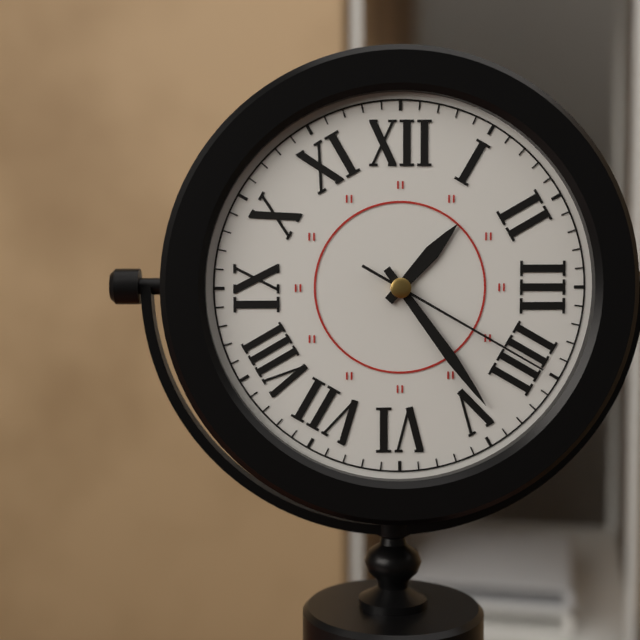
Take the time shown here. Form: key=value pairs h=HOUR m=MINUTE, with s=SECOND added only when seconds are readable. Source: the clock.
h=1 m=24 s=20
